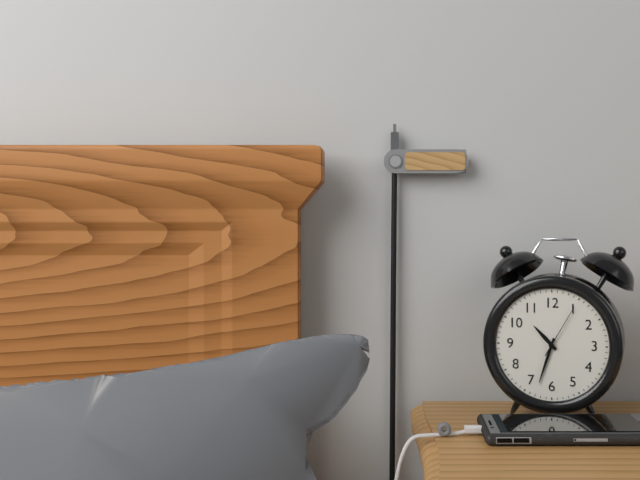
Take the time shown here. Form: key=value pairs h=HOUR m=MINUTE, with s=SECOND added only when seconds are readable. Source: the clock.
h=10 m=33 s=5
